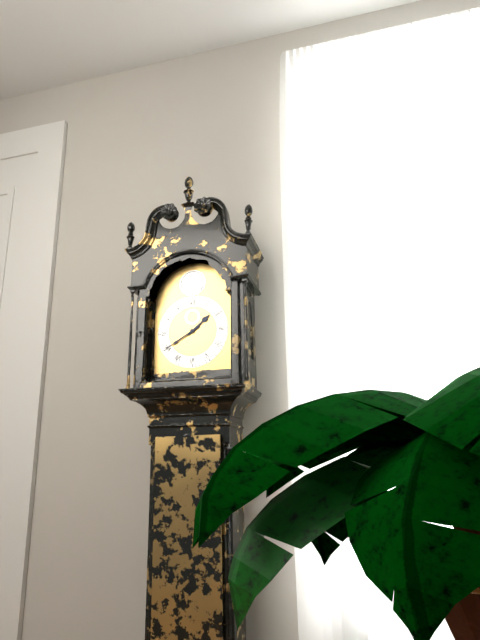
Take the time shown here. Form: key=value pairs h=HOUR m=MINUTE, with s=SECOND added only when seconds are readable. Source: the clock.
h=1 m=40
